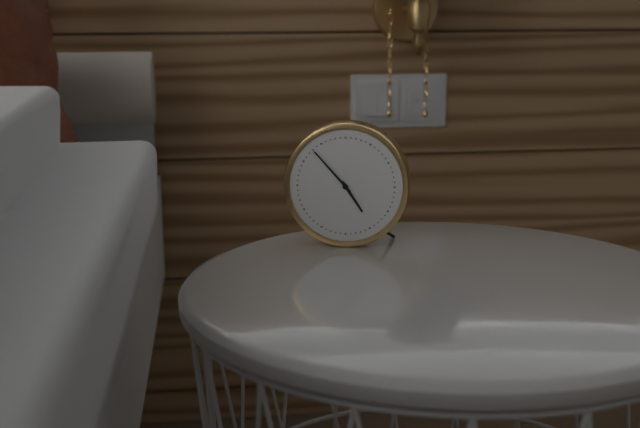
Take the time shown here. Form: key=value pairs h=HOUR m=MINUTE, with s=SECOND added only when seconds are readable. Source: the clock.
h=4 m=53
